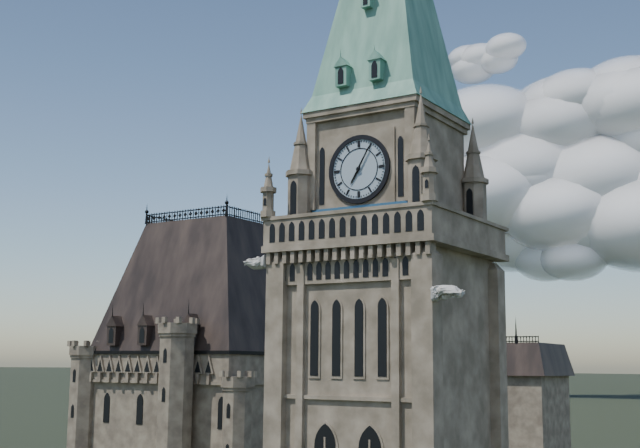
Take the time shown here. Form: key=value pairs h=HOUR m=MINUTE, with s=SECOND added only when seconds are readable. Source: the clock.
h=7 m=5
